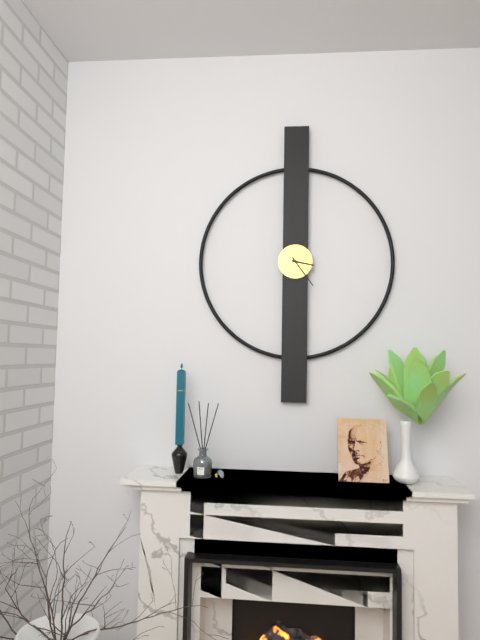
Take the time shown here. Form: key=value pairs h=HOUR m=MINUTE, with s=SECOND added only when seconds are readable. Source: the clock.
h=3 m=24
